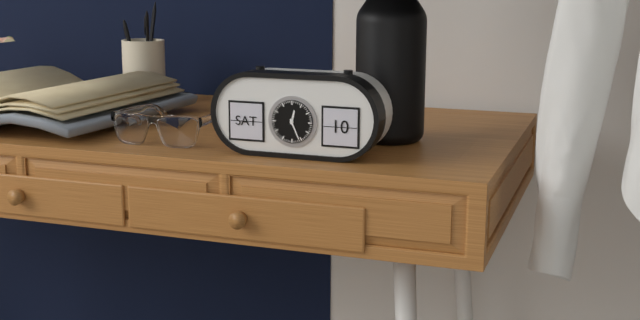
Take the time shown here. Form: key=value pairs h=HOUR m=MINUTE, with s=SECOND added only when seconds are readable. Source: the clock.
h=12 m=26
